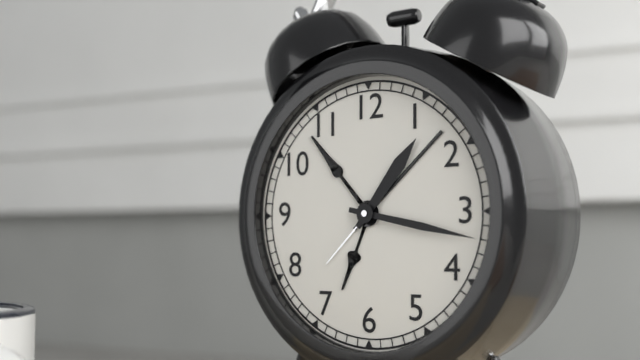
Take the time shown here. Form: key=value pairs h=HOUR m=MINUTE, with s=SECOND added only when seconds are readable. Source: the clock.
h=1 m=17
